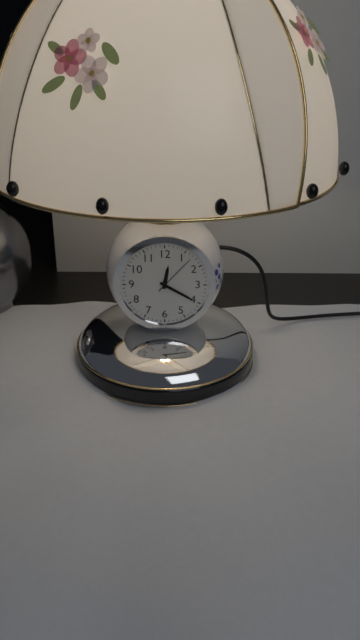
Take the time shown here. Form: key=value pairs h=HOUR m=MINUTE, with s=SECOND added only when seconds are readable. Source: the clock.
h=12 m=20
